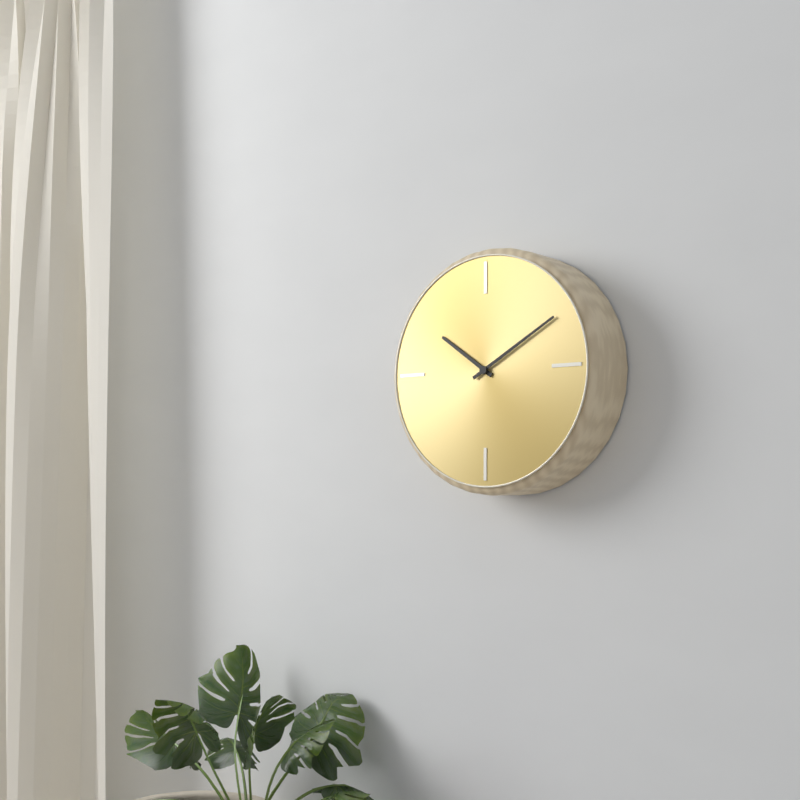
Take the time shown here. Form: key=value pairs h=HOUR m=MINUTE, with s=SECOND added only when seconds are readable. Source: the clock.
h=10 m=10
